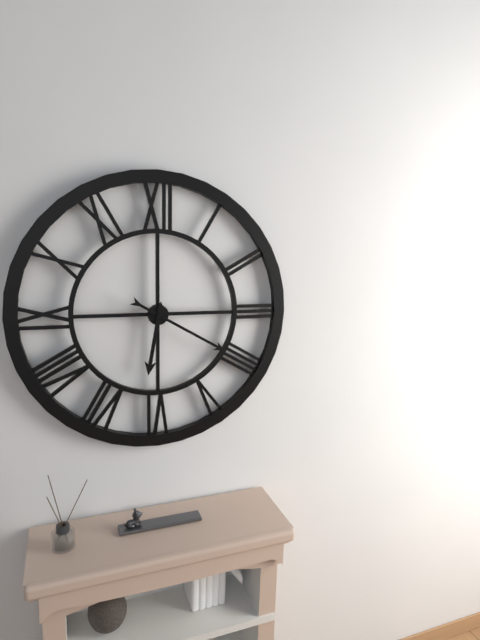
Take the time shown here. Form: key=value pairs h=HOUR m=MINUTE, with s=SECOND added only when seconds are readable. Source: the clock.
h=6 m=20
